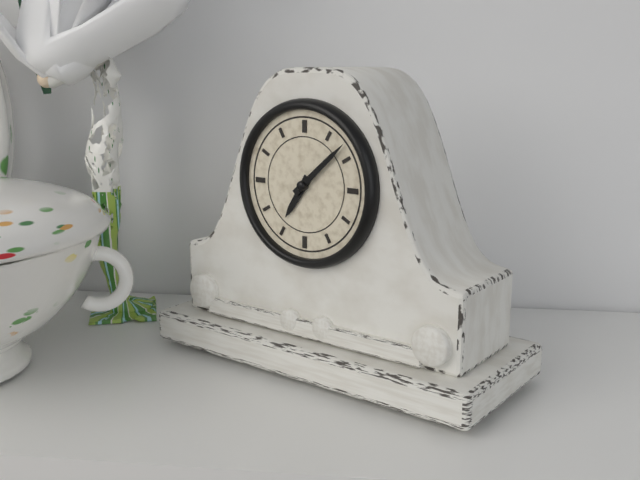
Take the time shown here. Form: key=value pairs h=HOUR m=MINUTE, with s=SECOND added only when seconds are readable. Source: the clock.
h=7 m=8
